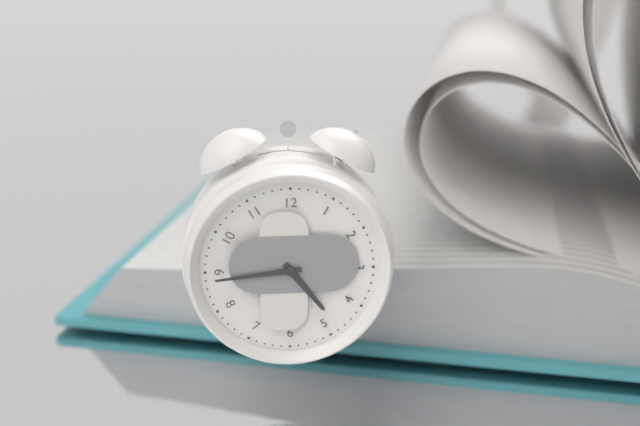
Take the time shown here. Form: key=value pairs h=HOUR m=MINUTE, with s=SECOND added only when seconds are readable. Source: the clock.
h=4 m=44
